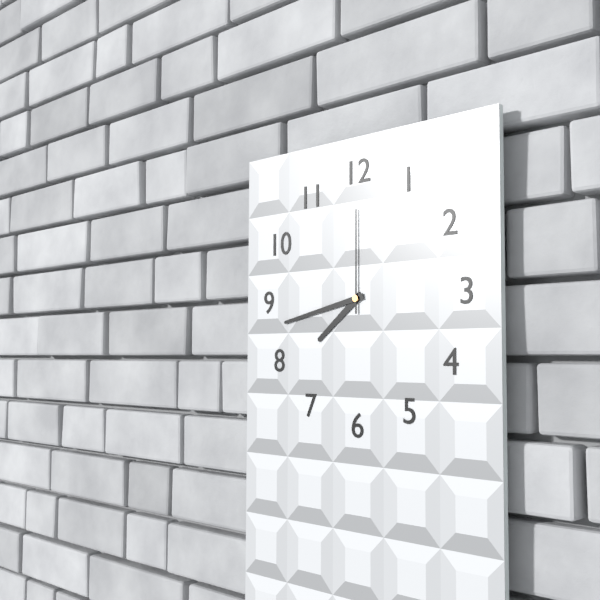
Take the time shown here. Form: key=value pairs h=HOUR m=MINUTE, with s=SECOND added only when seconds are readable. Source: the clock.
h=7 m=43 s=0
